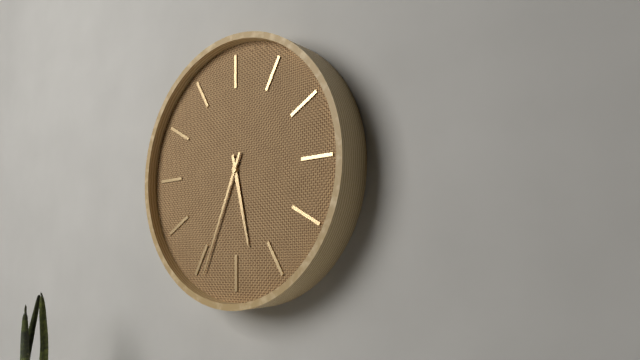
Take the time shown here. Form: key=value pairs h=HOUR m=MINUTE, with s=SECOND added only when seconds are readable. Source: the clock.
h=5 m=34
